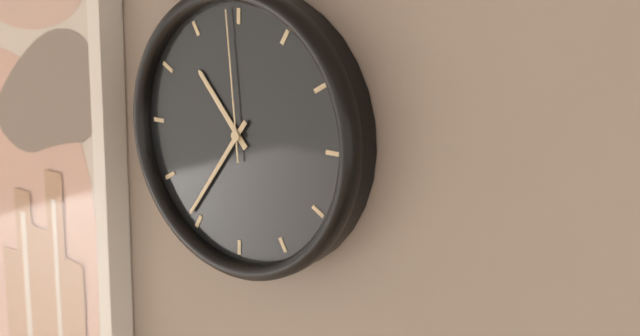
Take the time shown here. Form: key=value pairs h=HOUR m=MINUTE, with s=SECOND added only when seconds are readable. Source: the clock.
h=10 m=36 s=59
